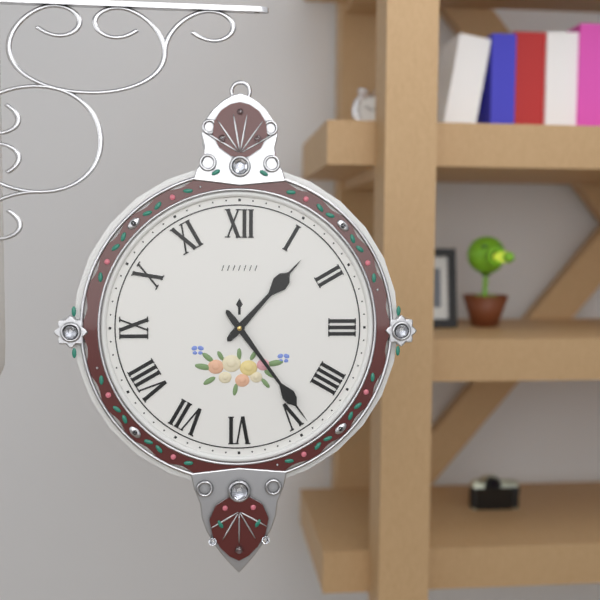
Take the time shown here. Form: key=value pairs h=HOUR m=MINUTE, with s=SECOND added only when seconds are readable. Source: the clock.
h=1 m=24
